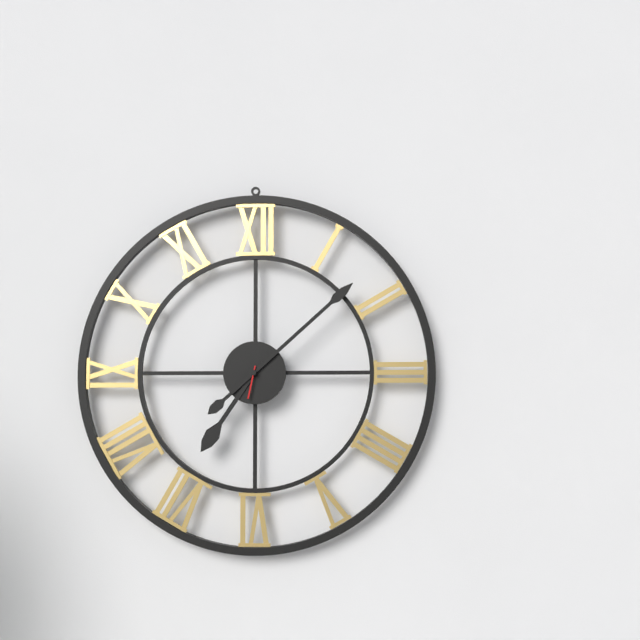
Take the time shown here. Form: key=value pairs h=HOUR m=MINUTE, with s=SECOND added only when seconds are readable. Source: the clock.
h=7 m=8
